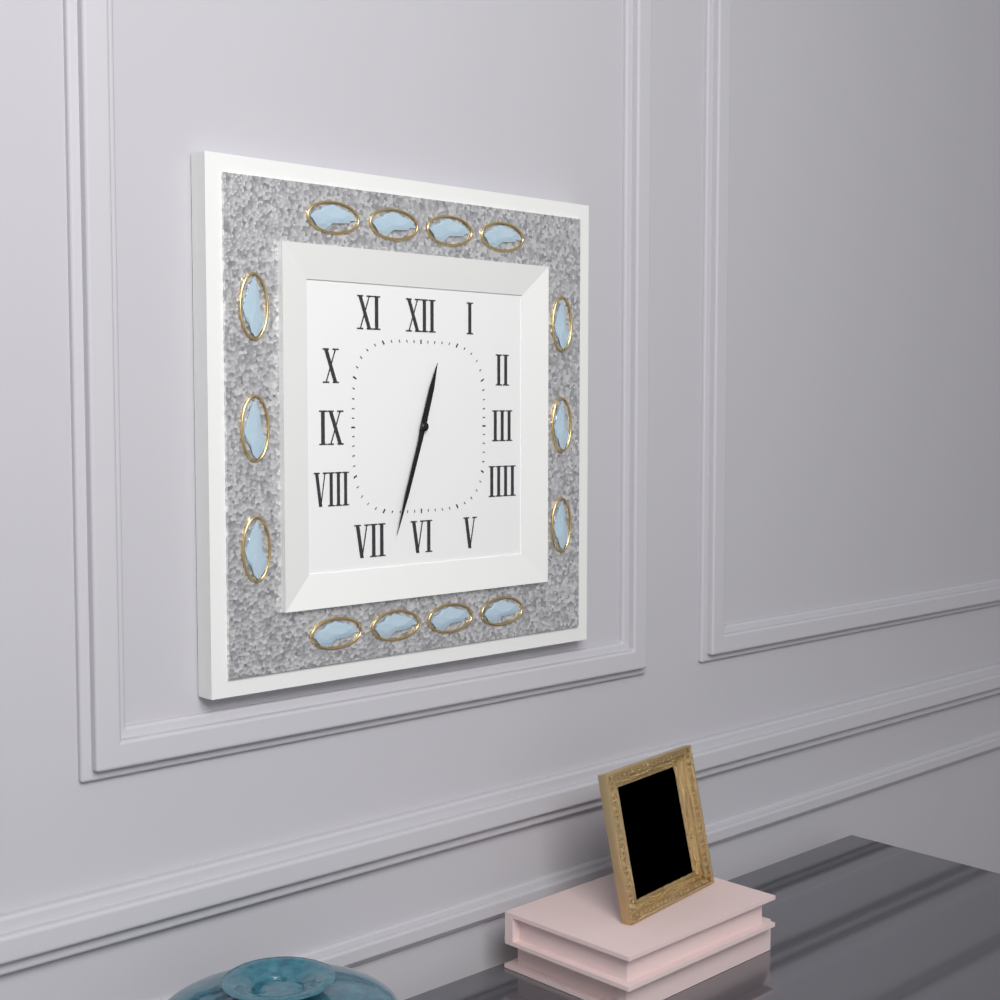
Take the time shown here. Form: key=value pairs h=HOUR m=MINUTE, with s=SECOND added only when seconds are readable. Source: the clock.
h=12 m=33
